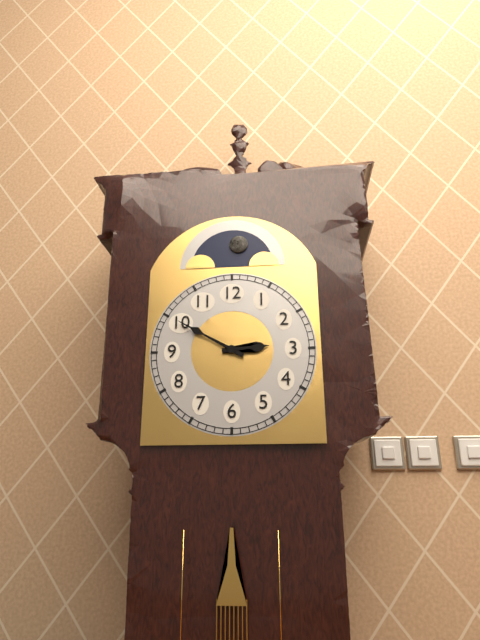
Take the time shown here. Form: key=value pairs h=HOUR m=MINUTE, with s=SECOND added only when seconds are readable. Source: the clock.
h=2 m=50
